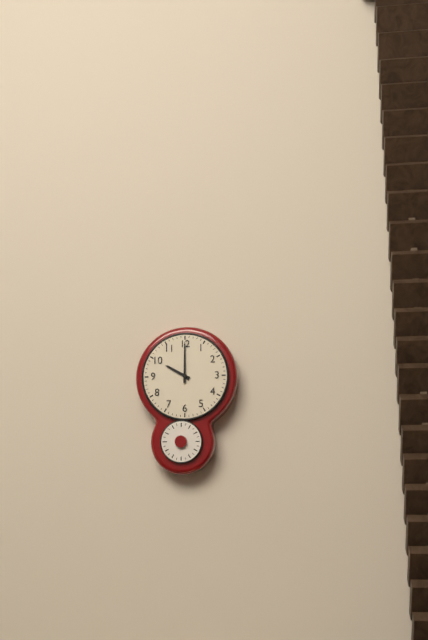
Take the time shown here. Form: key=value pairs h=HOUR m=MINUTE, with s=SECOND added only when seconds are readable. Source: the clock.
h=10 m=0
